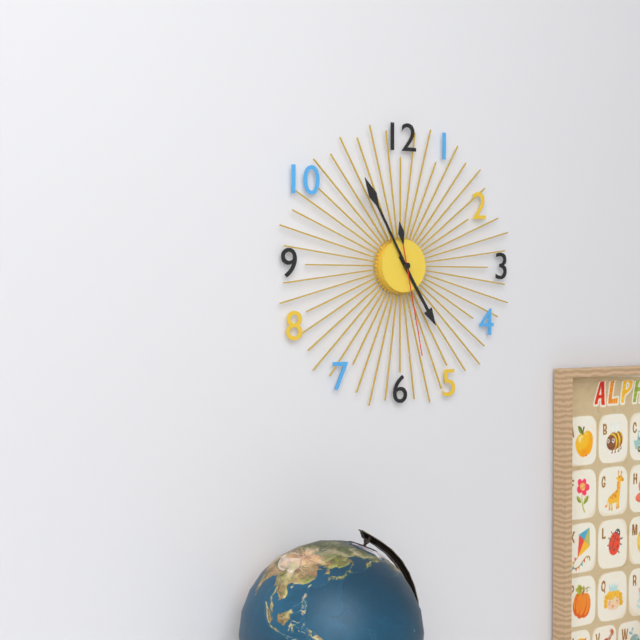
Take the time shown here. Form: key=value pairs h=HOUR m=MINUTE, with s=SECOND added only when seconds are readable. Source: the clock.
h=4 m=55 s=28
